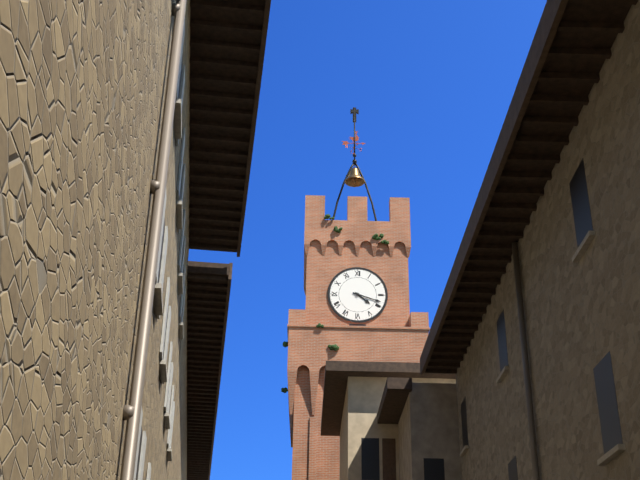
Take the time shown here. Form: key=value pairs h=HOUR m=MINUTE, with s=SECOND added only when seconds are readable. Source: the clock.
h=4 m=18
